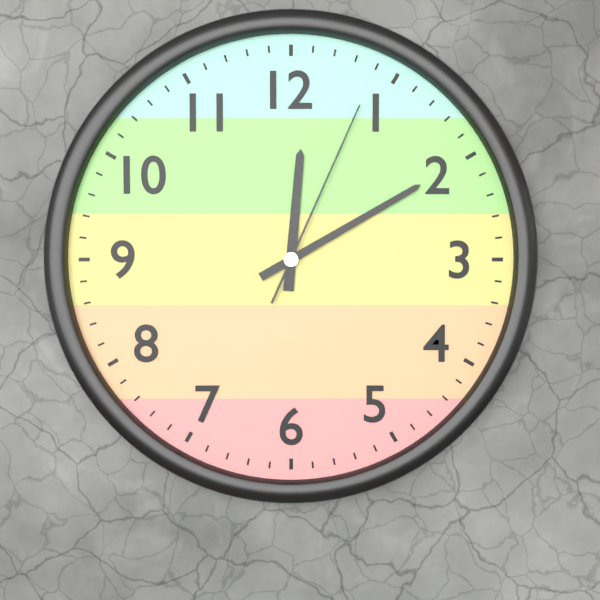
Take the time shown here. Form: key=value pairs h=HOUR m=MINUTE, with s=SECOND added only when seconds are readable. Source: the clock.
h=12 m=10 s=4
